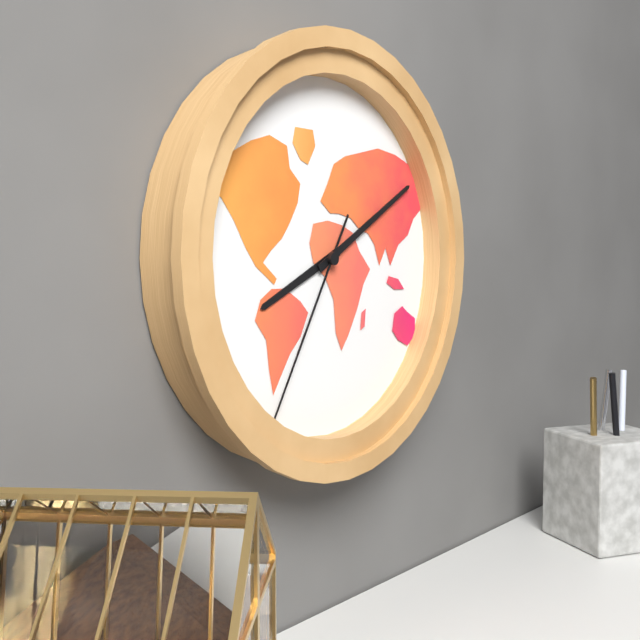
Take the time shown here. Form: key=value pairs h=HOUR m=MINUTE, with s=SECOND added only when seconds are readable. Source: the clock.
h=8 m=10 s=35
